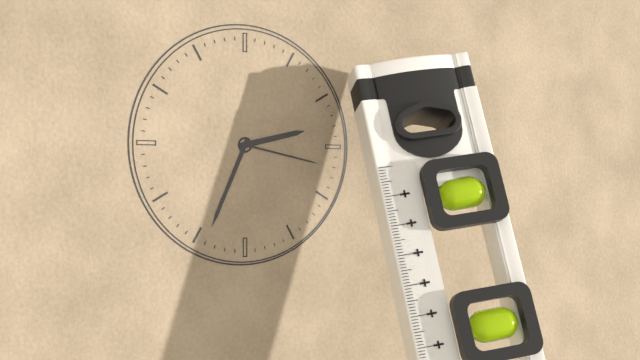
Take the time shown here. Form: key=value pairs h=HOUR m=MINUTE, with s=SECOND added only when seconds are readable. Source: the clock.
h=2 m=34 s=17
